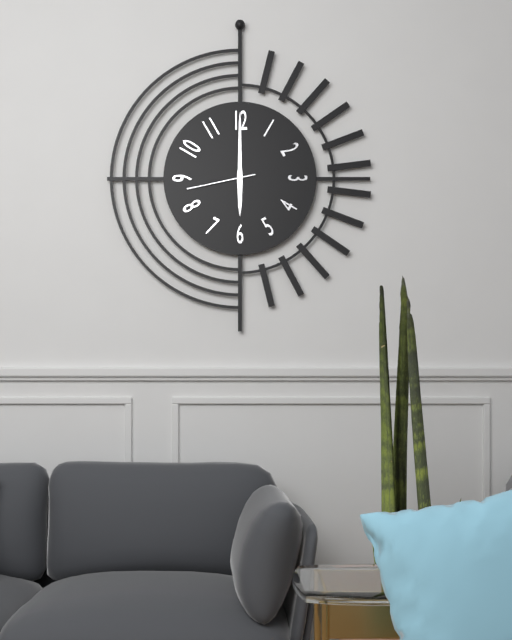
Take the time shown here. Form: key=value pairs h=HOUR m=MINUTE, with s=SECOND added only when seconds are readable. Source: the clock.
h=6 m=0 s=43
